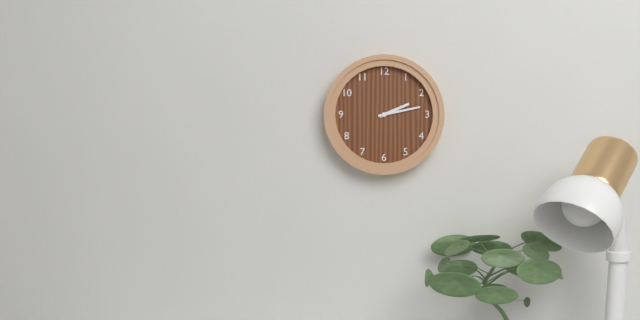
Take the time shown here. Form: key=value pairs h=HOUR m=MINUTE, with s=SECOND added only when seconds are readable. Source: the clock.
h=2 m=13
